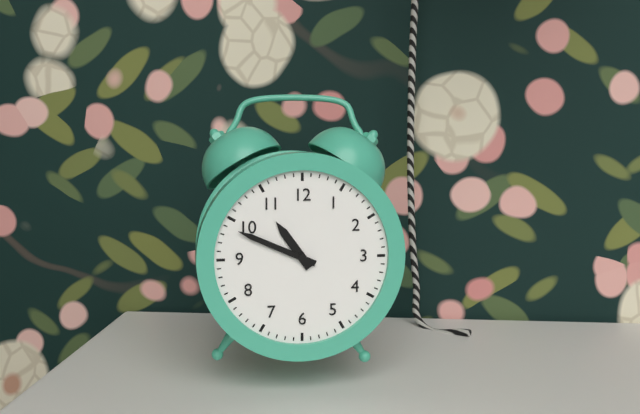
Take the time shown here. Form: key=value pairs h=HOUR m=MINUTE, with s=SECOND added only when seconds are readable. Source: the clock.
h=10 m=49
